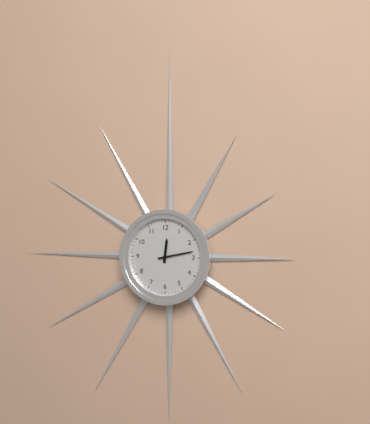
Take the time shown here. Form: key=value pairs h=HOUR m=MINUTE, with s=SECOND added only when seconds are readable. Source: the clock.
h=12 m=13
